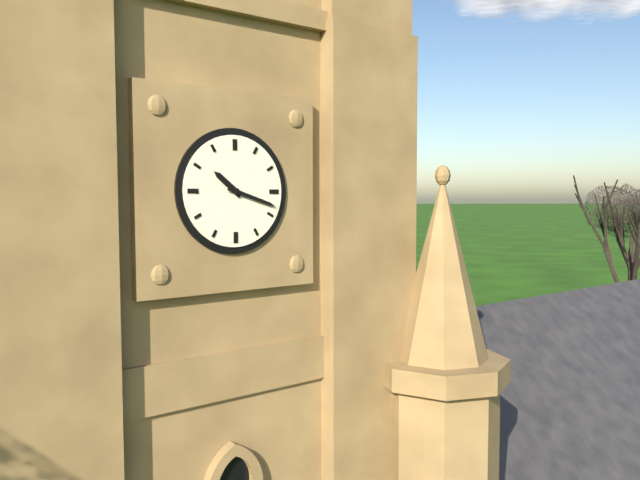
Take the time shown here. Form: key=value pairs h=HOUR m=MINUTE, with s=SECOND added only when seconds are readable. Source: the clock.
h=10 m=18
